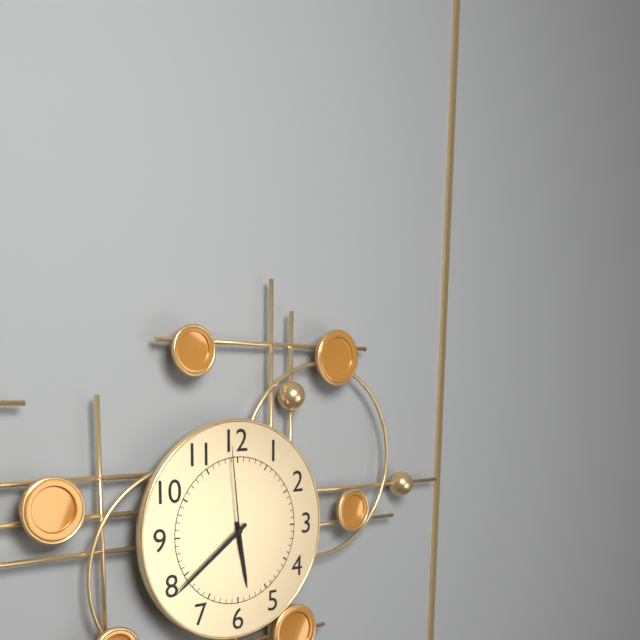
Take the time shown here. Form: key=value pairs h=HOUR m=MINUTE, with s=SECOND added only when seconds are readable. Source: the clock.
h=5 m=39 s=59
